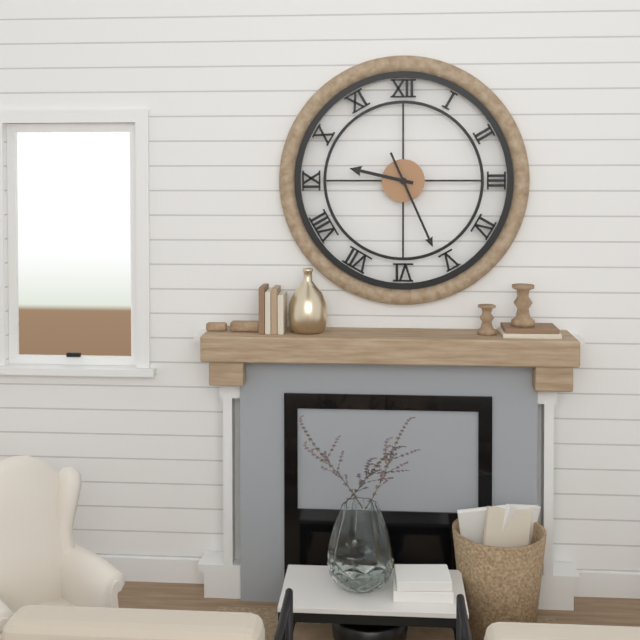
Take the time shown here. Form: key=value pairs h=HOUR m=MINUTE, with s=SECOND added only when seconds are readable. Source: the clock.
h=9 m=26
